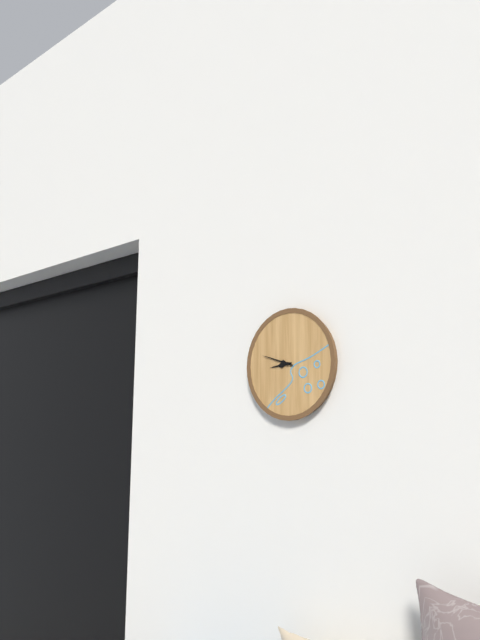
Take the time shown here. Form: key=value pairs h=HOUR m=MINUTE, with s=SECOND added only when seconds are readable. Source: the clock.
h=8 m=48
